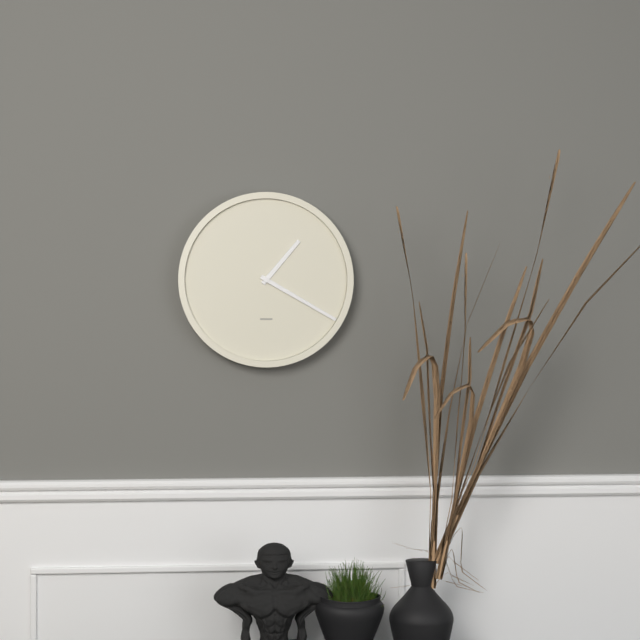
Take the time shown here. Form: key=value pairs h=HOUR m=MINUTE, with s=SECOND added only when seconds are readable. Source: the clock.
h=1 m=20
